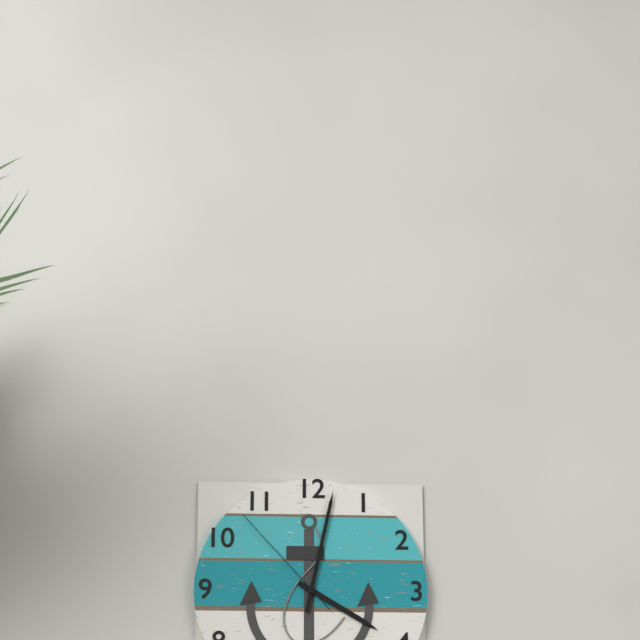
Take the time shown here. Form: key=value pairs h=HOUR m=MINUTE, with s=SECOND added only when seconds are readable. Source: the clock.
h=4 m=2 s=53
